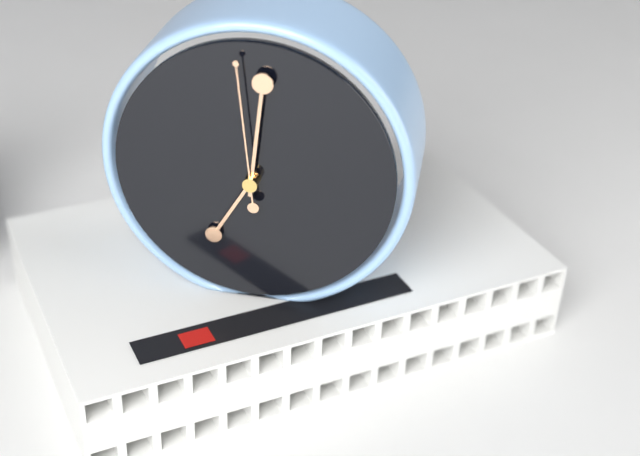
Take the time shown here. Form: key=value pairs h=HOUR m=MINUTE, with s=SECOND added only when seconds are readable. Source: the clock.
h=7 m=1 s=59
